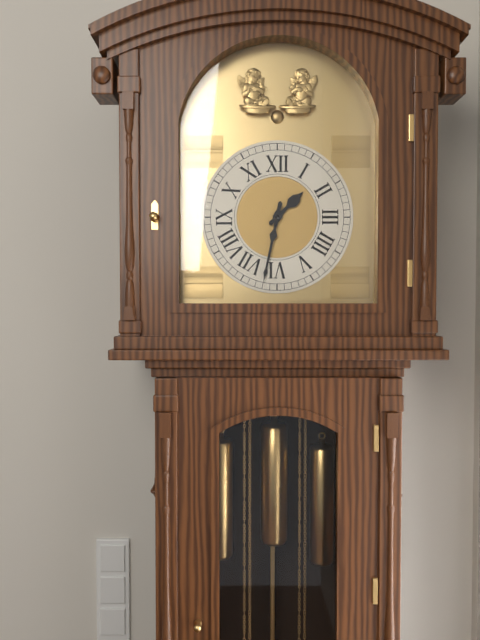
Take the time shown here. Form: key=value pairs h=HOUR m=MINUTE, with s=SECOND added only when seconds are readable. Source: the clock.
h=1 m=32
